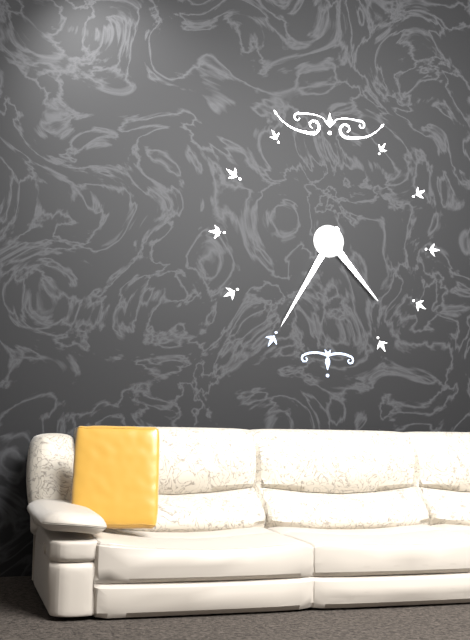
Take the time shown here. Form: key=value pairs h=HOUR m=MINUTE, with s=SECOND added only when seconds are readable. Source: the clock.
h=4 m=35
